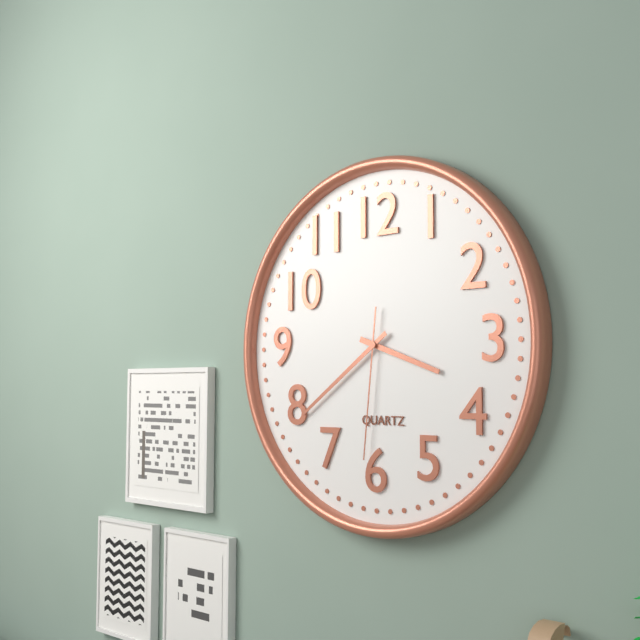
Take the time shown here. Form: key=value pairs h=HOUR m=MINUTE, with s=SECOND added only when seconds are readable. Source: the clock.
h=3 m=39 s=31
